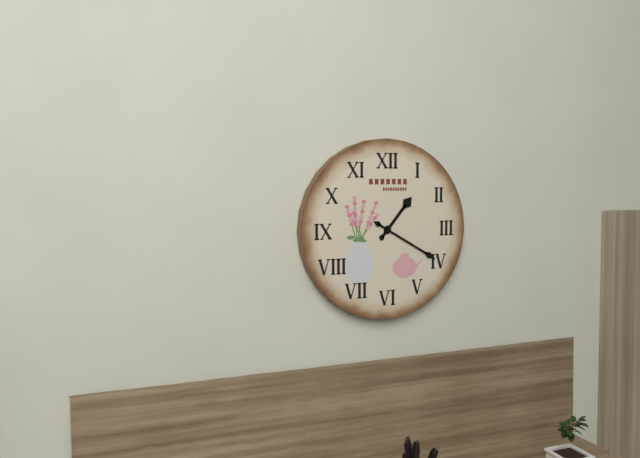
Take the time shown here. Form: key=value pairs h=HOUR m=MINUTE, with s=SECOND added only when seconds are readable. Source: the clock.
h=1 m=20
